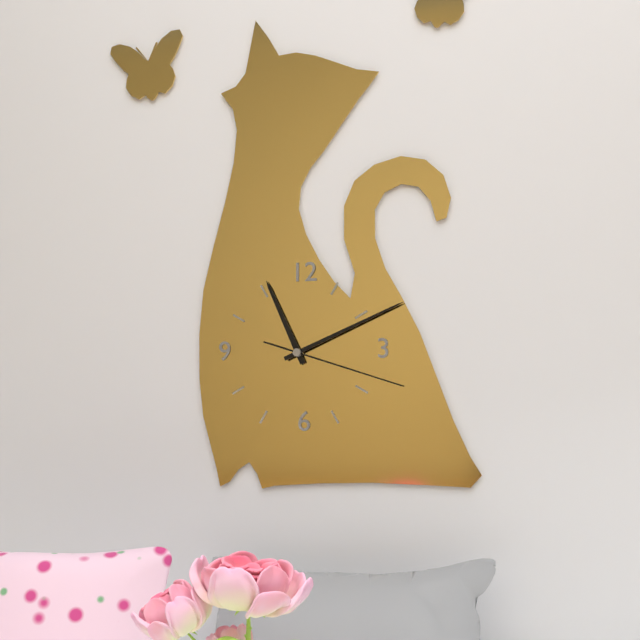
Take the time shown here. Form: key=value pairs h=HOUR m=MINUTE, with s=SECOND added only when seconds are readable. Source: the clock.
h=11 m=11 s=18
